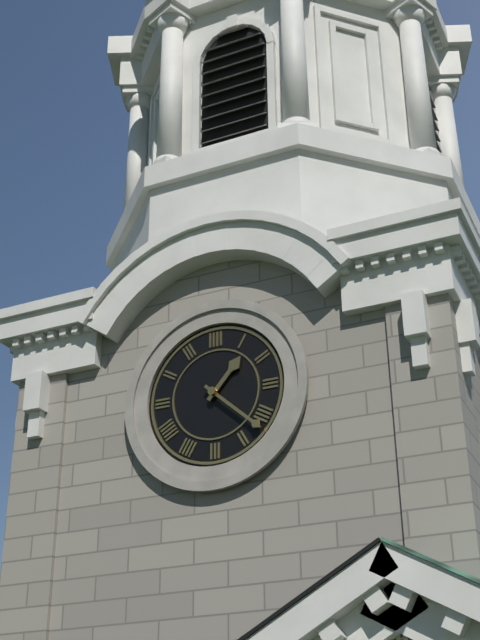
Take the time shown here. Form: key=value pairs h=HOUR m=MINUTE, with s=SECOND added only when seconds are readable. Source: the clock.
h=1 m=22
